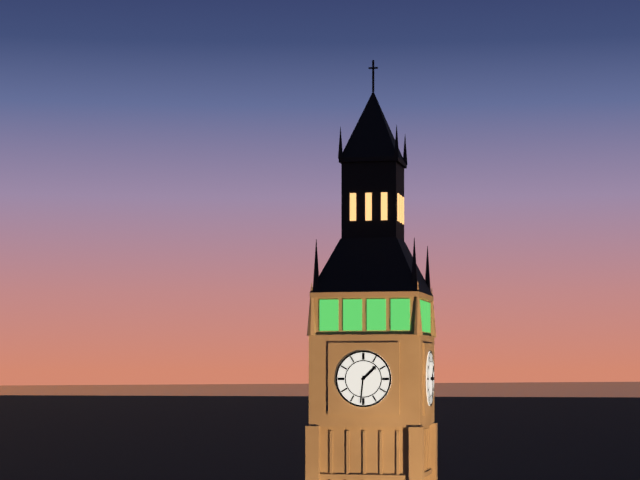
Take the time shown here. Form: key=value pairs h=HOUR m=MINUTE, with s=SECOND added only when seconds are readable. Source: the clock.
h=1 m=31
